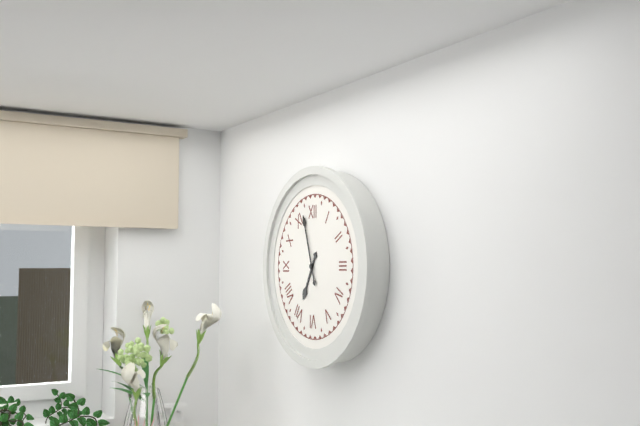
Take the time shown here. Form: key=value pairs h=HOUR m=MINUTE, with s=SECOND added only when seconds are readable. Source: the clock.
h=6 m=57
